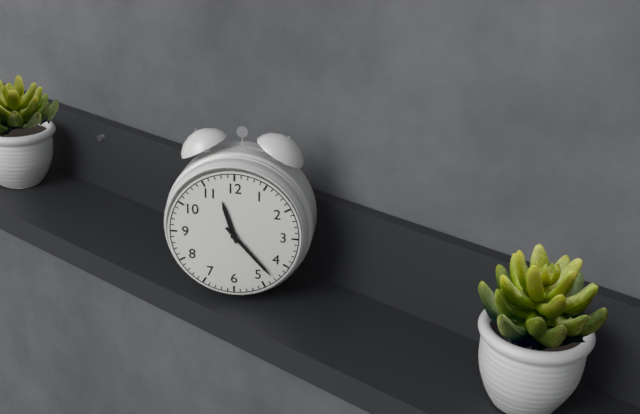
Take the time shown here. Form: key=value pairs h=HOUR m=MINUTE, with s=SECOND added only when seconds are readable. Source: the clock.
h=11 m=23
